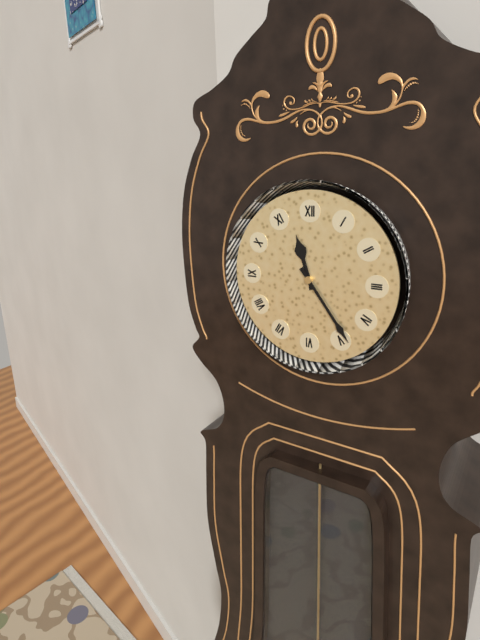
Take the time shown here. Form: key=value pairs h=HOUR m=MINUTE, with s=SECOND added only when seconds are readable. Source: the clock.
h=11 m=24
